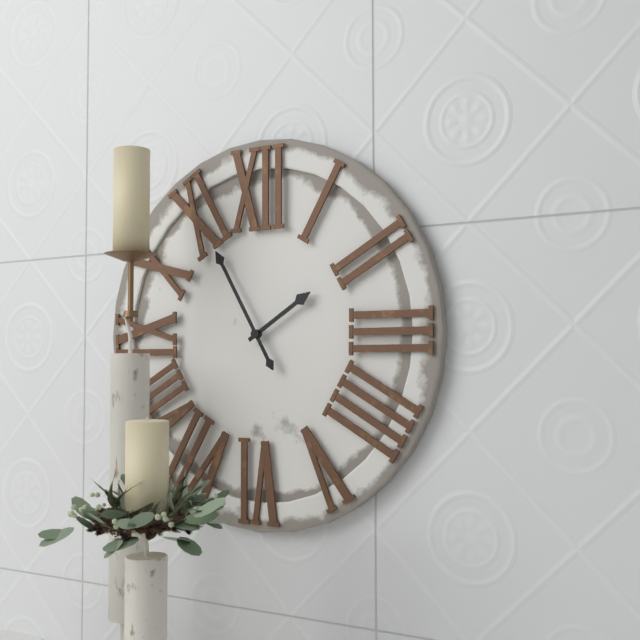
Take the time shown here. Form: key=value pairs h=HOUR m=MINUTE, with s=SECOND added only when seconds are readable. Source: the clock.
h=1 m=55
